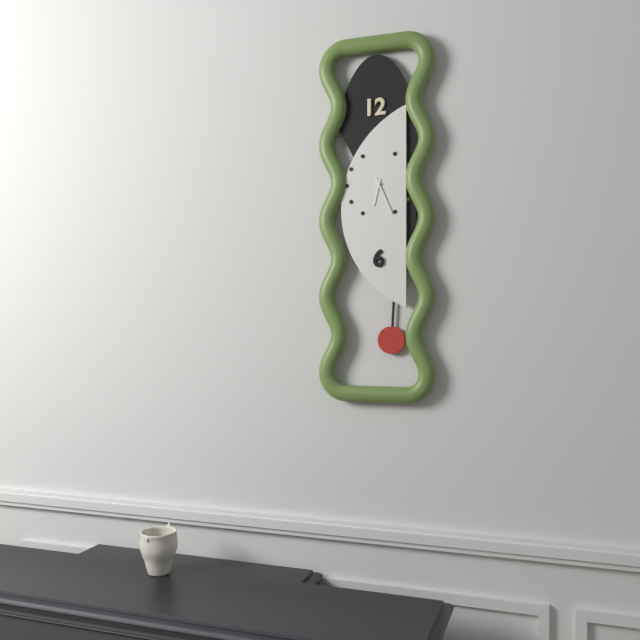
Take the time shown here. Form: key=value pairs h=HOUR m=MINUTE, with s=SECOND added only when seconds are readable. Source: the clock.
h=6 m=26
